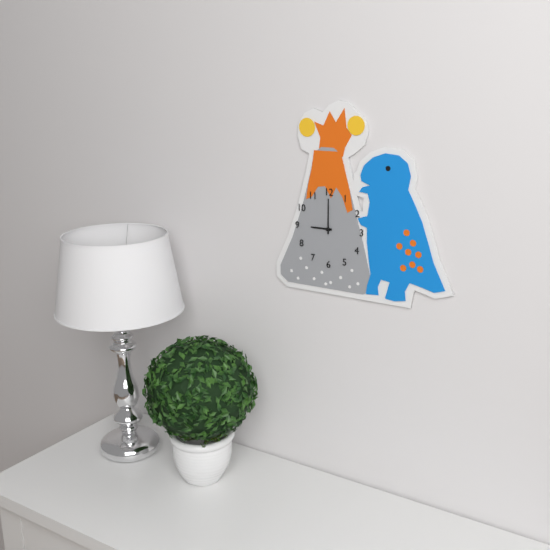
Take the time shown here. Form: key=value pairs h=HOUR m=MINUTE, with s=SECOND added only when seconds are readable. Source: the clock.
h=9 m=0
